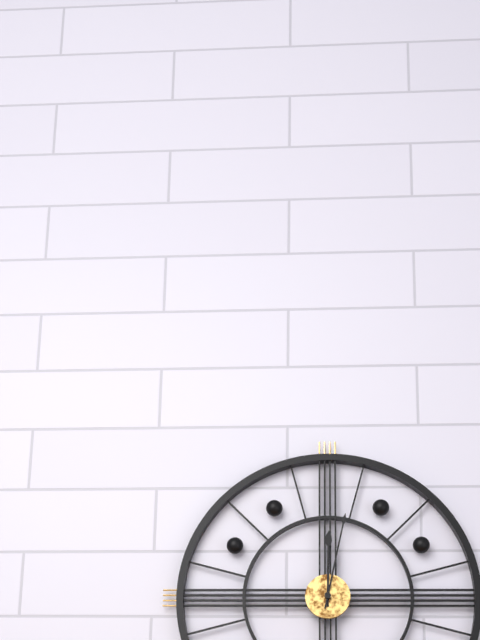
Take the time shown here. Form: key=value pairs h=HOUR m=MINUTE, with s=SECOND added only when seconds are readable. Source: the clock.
h=12 m=2
